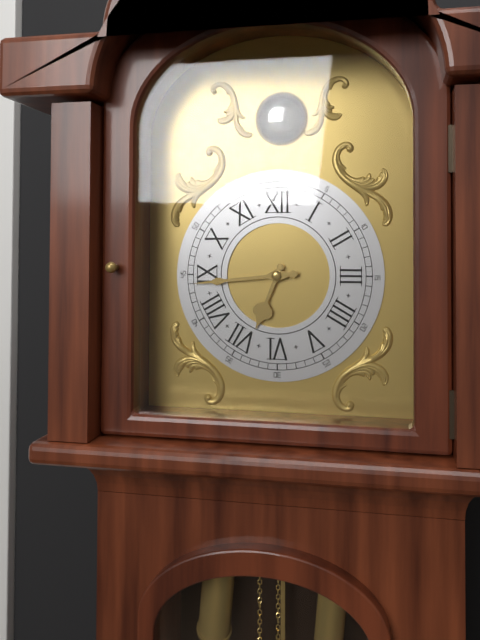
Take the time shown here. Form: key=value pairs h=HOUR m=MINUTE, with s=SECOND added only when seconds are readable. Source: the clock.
h=6 m=44
